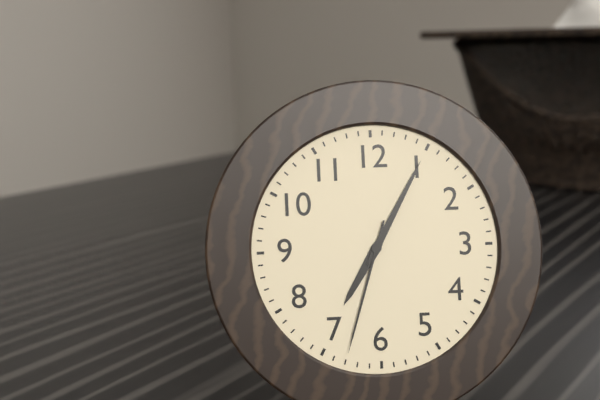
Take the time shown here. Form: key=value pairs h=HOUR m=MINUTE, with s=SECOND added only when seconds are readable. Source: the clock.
h=7 m=5 s=33
